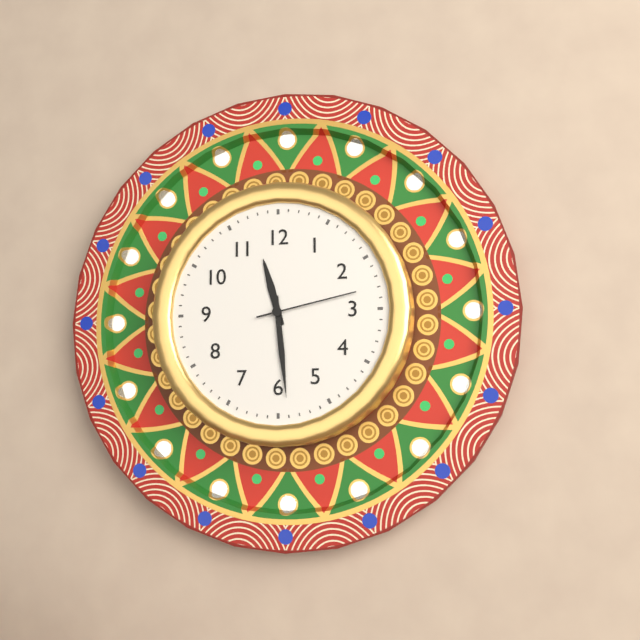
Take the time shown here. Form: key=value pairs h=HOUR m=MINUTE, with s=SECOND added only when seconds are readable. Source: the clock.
h=11 m=29 s=13
